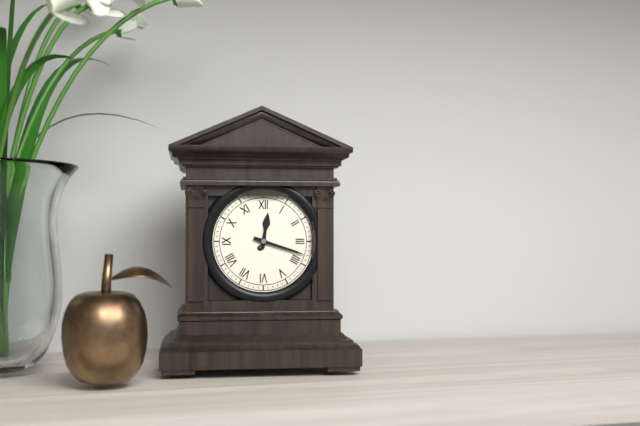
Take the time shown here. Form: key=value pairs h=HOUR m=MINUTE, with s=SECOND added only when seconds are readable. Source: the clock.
h=12 m=18
